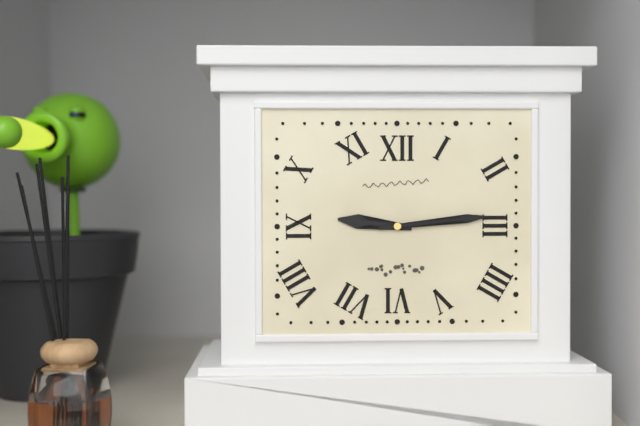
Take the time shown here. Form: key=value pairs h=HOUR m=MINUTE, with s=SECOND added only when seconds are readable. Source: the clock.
h=9 m=14
